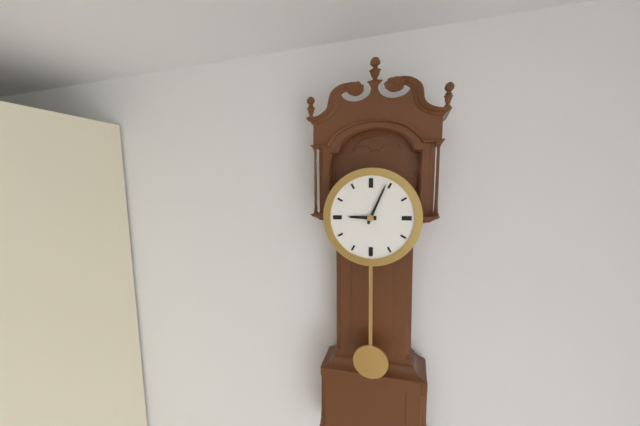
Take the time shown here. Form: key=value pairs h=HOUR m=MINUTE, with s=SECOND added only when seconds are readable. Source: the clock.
h=9 m=4
